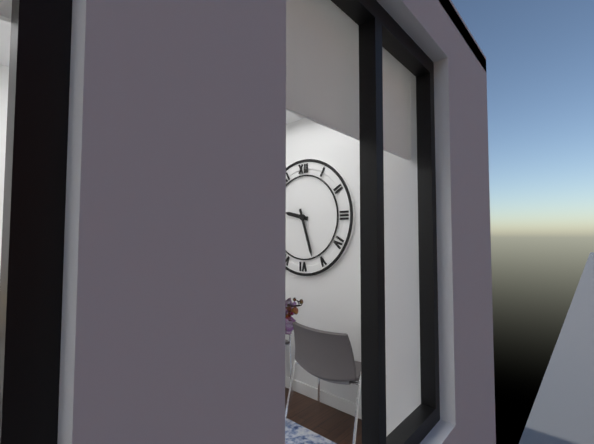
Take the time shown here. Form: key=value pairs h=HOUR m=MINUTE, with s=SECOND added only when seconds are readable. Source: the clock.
h=9 m=27
